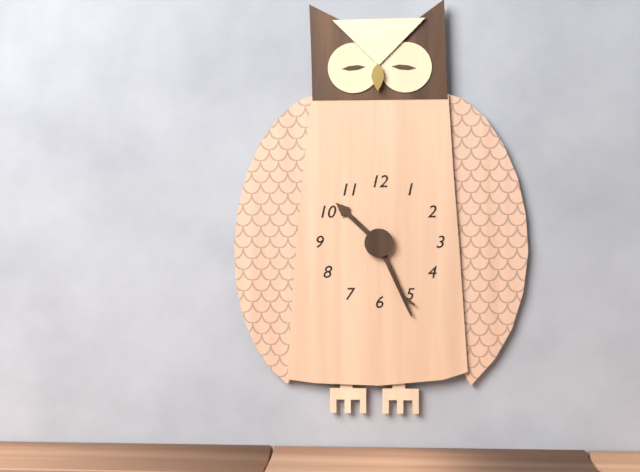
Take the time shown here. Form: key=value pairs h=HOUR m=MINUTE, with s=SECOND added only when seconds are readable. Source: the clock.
h=10 m=26
